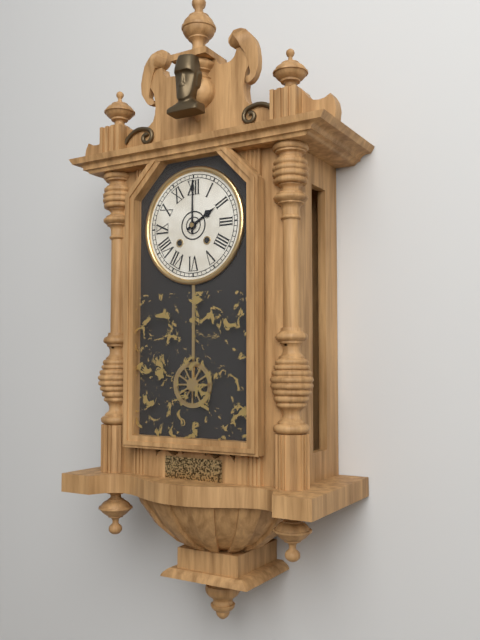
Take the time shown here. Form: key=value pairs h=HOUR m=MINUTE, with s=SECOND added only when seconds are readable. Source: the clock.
h=2 m=0
